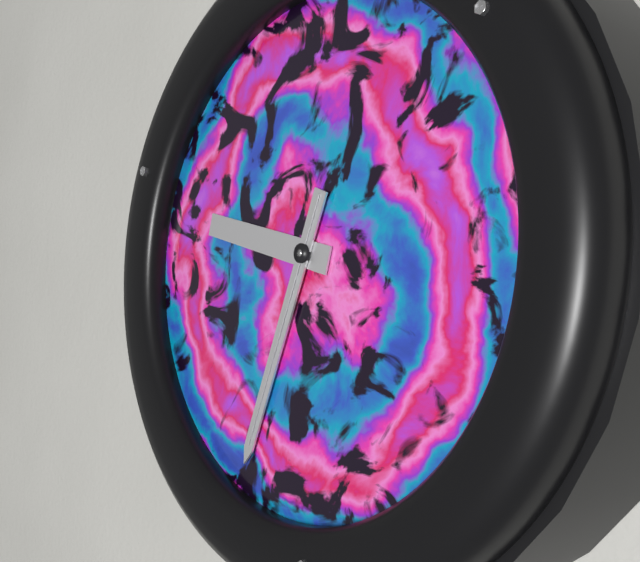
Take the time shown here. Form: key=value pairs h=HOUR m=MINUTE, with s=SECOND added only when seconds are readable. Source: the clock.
h=9 m=34 s=34
